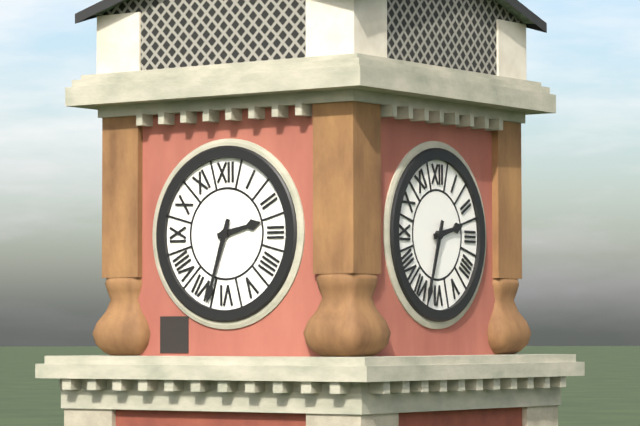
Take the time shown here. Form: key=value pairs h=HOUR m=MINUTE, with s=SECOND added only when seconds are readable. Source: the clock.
h=2 m=33
